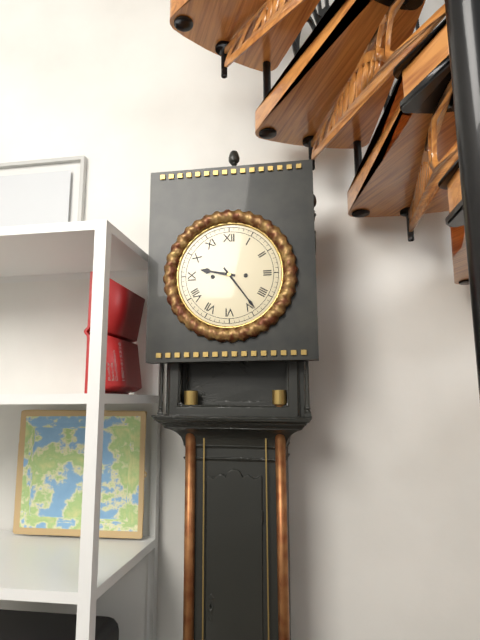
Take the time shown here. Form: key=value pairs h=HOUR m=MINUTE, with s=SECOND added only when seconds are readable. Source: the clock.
h=9 m=24
